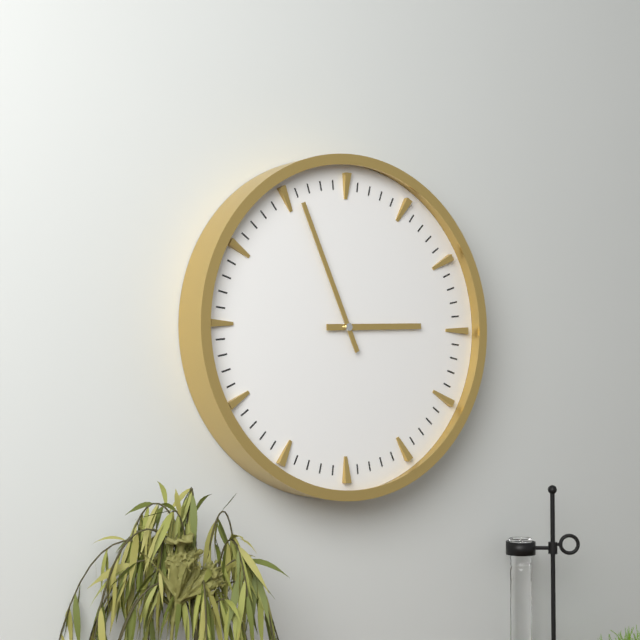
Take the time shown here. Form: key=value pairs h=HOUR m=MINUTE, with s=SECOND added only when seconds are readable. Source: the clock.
h=2 m=56
